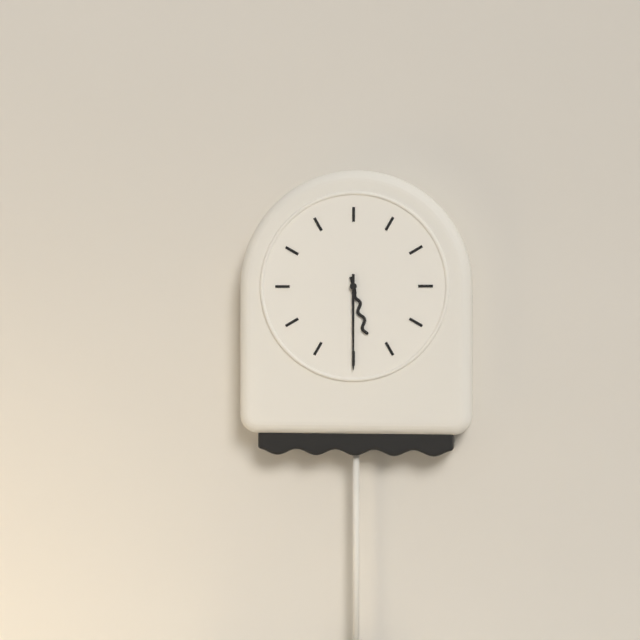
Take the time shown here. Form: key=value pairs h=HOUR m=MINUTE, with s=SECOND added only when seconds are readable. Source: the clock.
h=5 m=30
